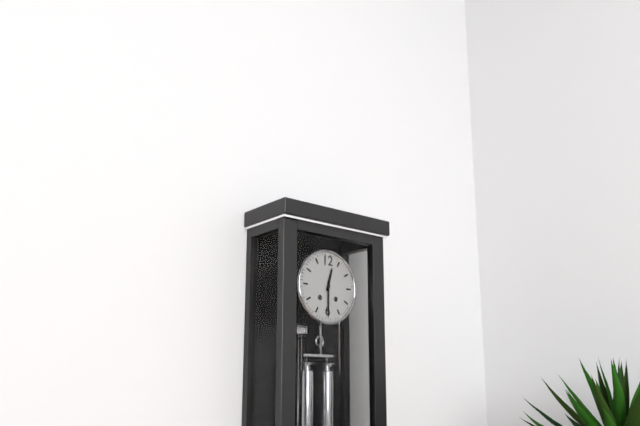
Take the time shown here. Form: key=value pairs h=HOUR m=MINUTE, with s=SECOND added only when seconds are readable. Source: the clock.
h=12 m=30
